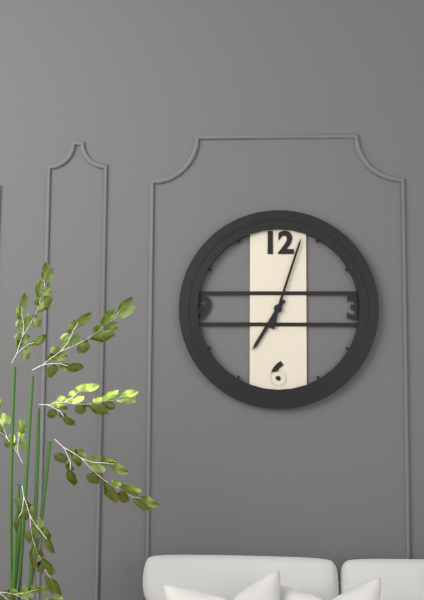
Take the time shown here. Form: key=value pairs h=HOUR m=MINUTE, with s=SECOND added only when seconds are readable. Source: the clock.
h=7 m=3
